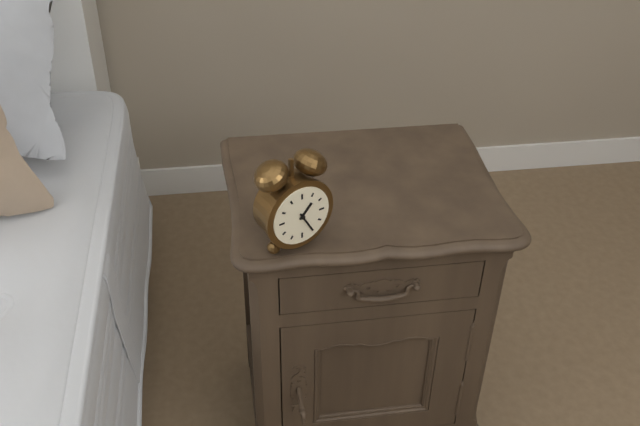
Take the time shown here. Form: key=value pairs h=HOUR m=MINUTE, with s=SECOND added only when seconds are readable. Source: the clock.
h=1 m=25
